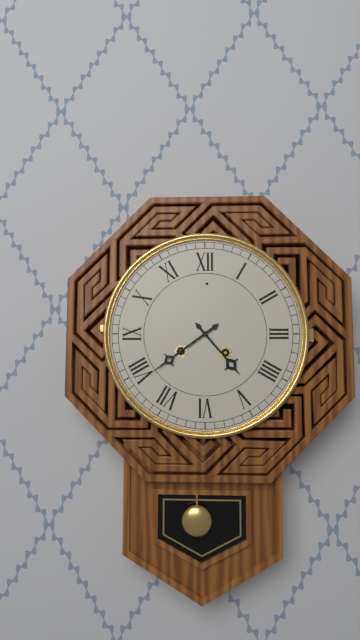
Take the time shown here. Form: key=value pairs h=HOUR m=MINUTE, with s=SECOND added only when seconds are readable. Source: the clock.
h=4 m=39
